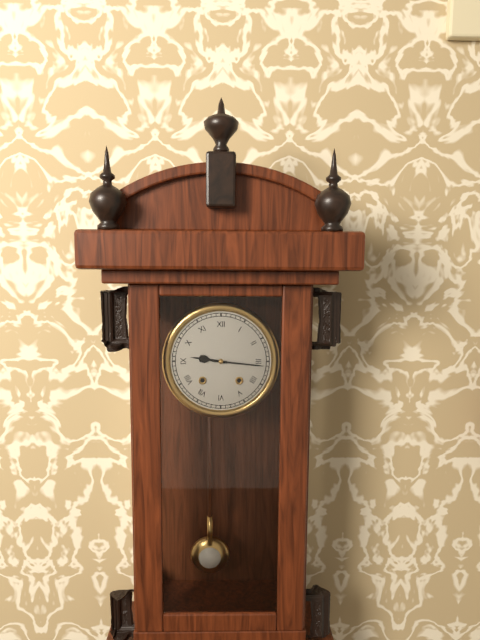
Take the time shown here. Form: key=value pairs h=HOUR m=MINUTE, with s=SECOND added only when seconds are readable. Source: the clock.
h=9 m=16
